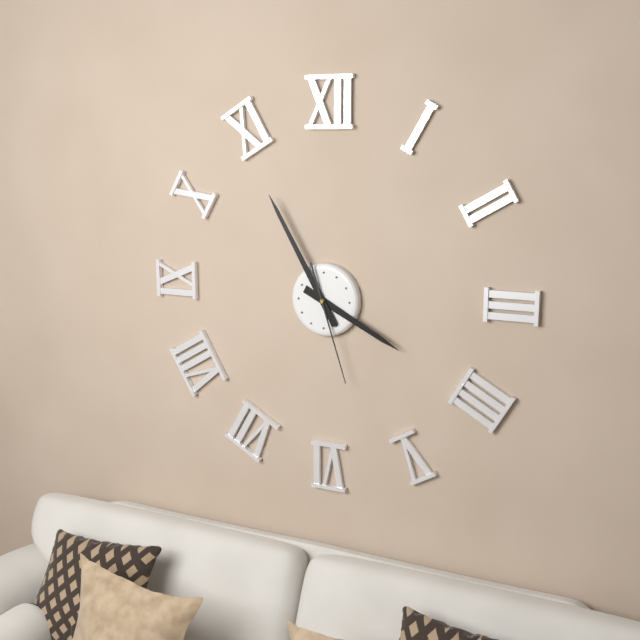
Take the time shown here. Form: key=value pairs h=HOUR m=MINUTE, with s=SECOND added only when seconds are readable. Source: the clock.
h=3 m=55 s=27
